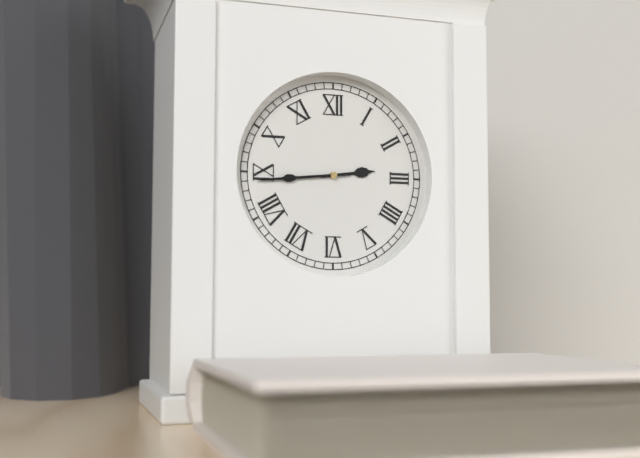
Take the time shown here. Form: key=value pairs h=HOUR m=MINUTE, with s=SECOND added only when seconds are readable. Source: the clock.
h=2 m=44
